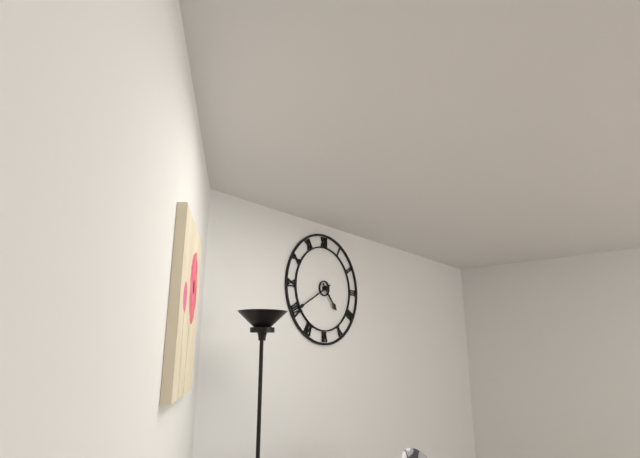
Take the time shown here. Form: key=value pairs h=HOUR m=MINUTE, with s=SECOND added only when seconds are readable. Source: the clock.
h=4 m=40
